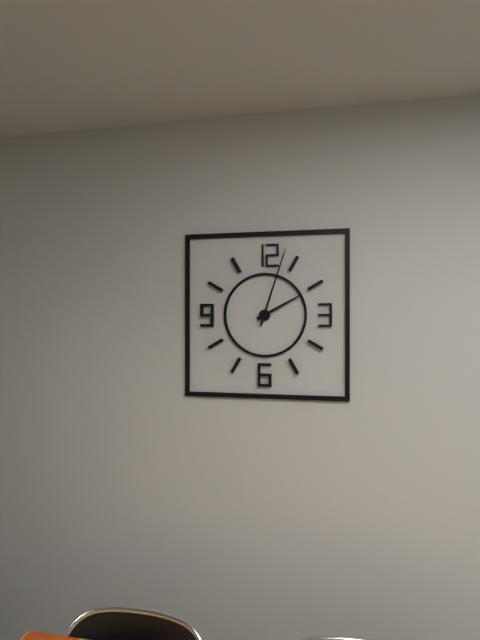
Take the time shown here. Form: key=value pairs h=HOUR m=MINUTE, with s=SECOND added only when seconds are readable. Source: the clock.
h=2 m=3
